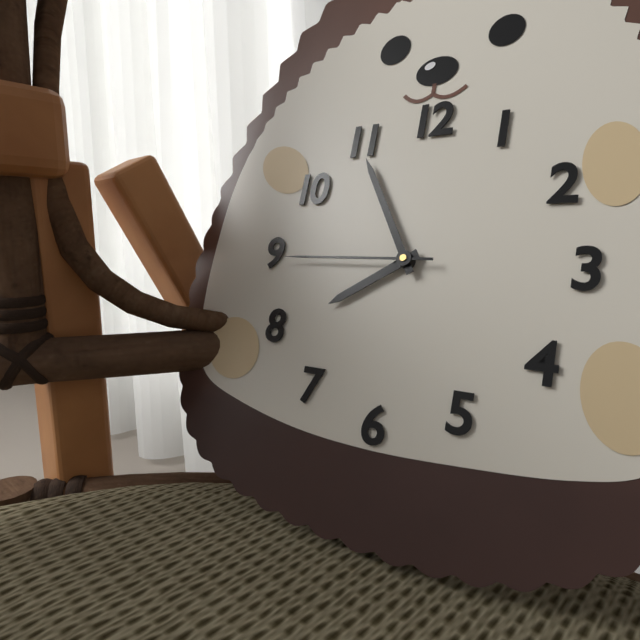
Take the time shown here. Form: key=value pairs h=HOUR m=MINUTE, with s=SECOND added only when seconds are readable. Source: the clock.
h=7 m=55 s=45
